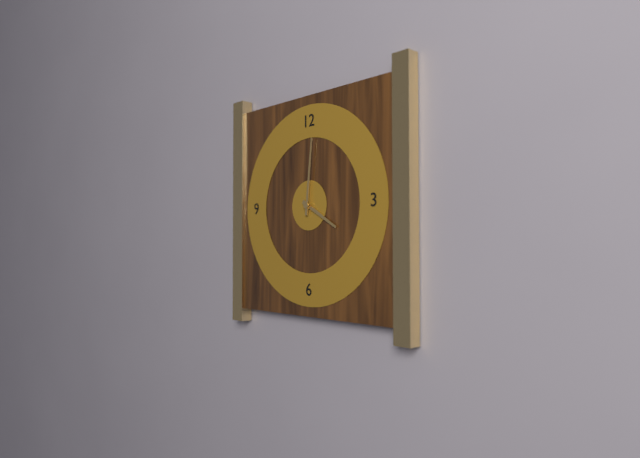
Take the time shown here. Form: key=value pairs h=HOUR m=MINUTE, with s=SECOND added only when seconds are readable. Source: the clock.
h=4 m=1
